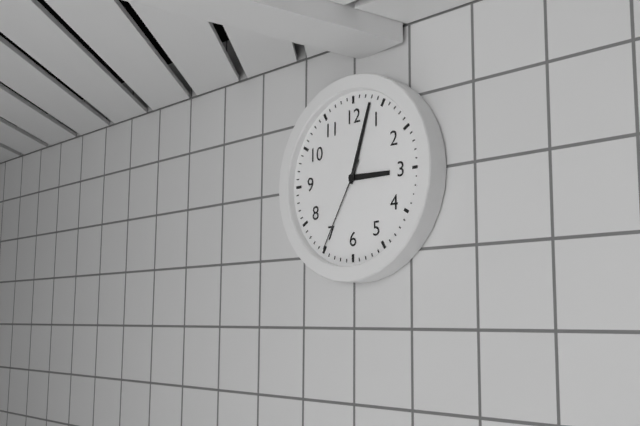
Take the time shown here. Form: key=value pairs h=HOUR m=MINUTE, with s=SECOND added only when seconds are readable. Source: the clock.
h=3 m=3 s=35
